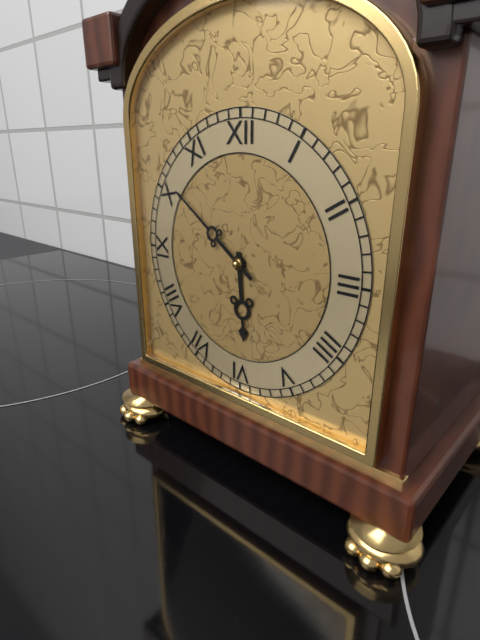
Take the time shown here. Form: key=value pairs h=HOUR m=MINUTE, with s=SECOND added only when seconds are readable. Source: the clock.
h=5 m=51
